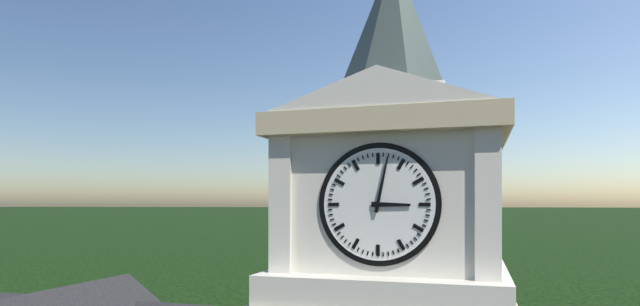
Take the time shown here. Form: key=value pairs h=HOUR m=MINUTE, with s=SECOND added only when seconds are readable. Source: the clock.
h=3 m=2
